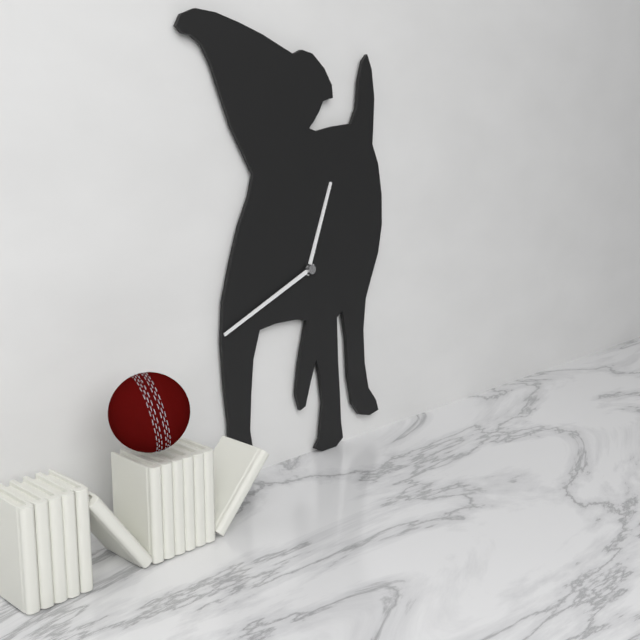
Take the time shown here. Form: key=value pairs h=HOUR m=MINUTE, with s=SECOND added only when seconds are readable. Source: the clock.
h=12 m=41
